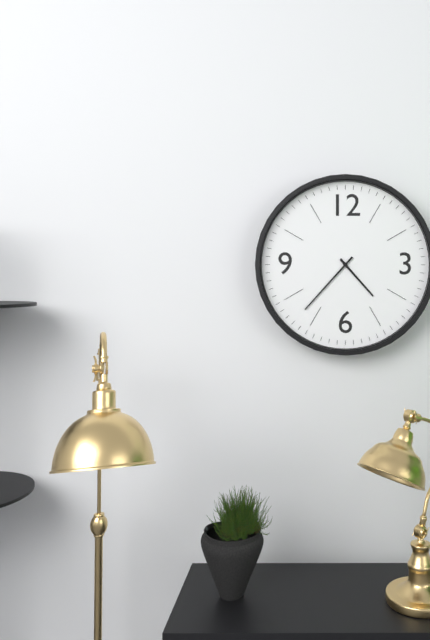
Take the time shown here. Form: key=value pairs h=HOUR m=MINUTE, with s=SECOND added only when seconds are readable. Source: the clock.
h=4 m=37
